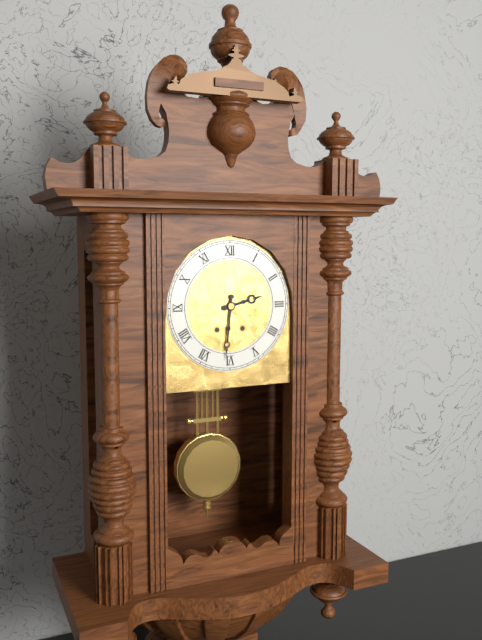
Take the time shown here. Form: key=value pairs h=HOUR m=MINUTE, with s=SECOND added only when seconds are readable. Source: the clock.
h=2 m=31
